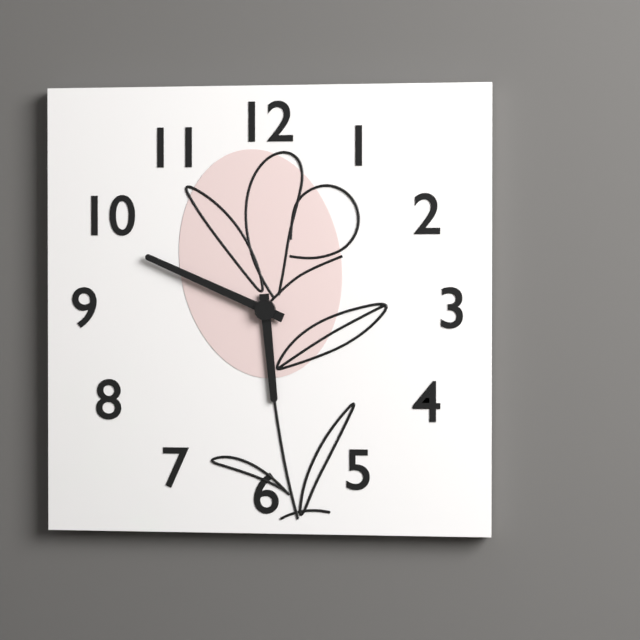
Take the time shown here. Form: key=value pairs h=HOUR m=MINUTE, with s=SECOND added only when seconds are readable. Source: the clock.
h=5 m=49
